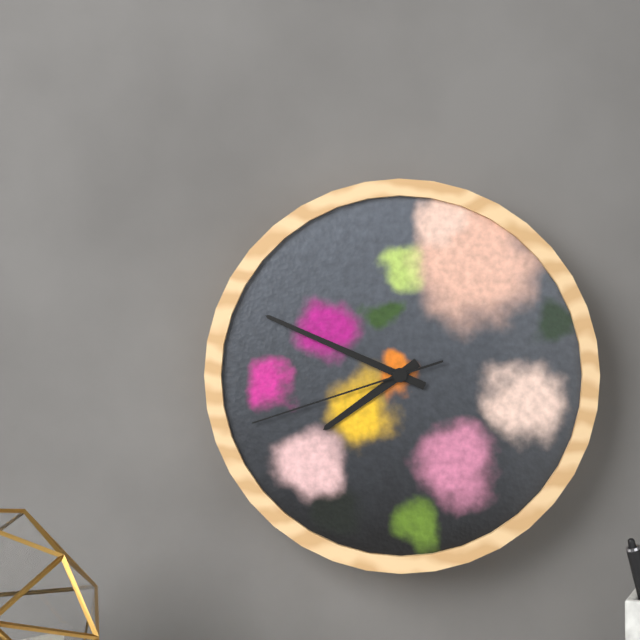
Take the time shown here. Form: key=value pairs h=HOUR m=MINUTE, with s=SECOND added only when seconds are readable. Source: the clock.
h=7 m=49 s=42
